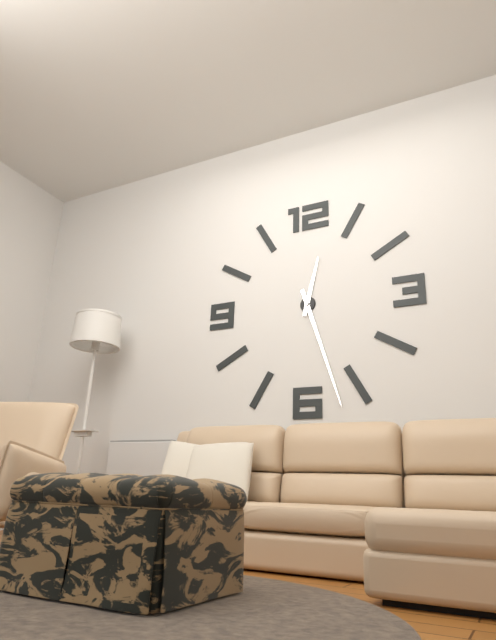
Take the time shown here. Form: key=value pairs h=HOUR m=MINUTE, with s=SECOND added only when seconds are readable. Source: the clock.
h=12 m=27
